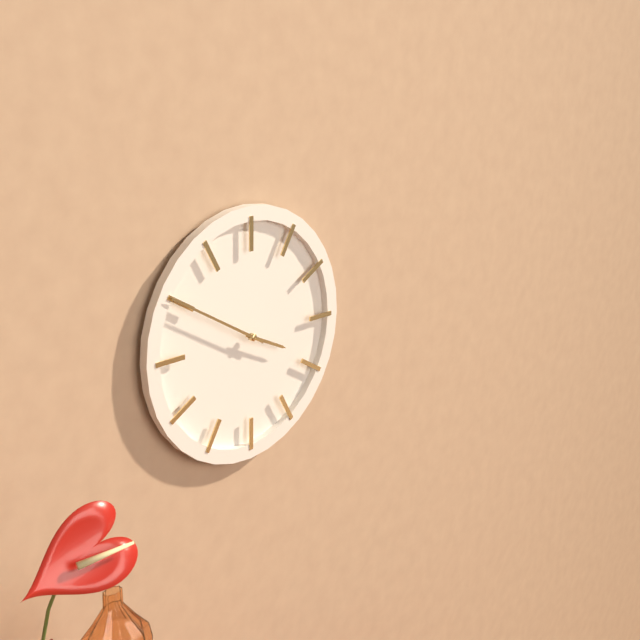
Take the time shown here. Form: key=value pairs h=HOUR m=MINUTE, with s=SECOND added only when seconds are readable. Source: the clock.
h=3 m=50
